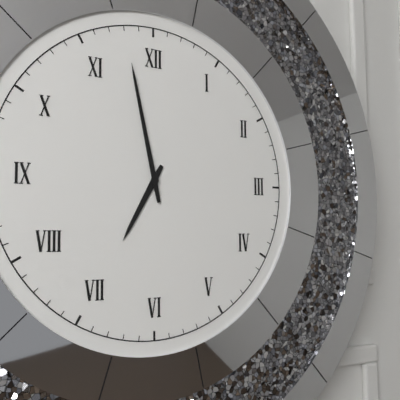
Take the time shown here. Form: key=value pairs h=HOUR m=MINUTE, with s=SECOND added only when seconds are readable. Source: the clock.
h=6 m=58
